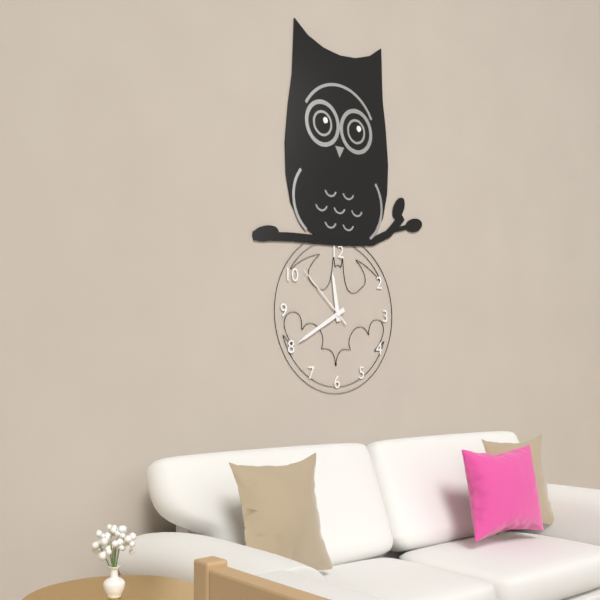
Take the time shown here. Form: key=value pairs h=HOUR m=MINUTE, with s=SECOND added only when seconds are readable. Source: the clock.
h=11 m=40 s=52
